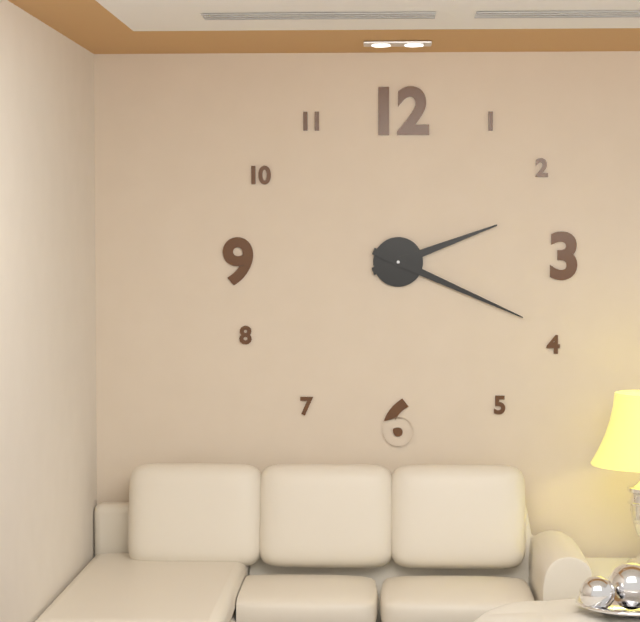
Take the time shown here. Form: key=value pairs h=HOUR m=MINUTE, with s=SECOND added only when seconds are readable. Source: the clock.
h=2 m=19
